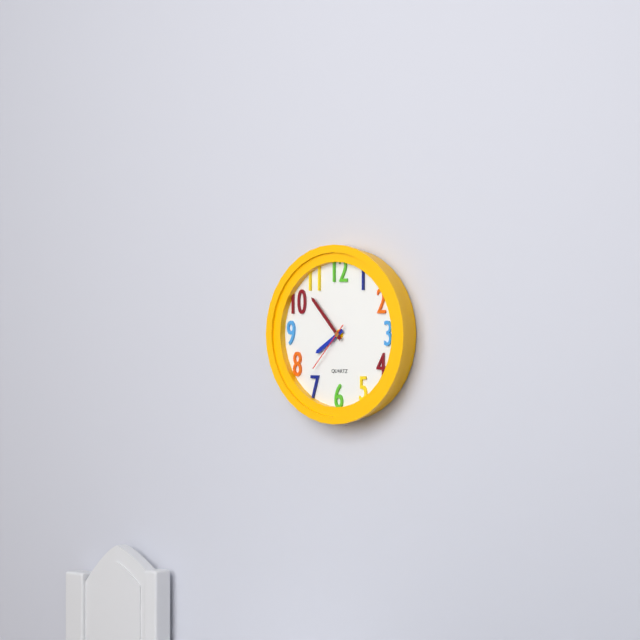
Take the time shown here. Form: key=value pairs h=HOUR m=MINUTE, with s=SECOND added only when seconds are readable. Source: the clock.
h=7 m=53 s=37
